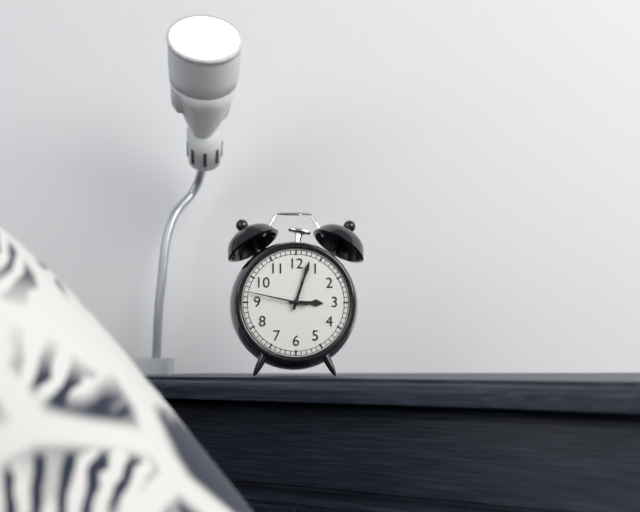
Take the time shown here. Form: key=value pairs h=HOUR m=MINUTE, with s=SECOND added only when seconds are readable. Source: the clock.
h=3 m=3 s=47
